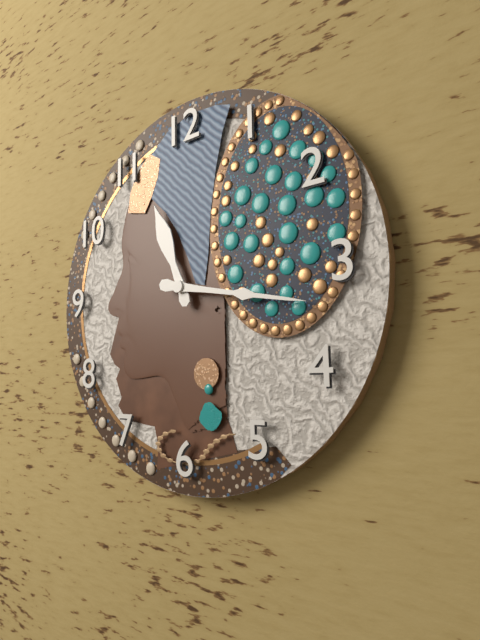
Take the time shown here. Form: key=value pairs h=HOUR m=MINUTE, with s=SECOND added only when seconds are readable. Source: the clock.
h=11 m=17
